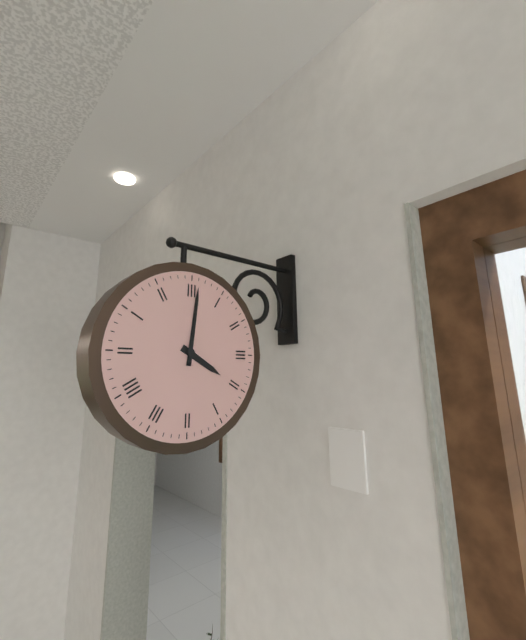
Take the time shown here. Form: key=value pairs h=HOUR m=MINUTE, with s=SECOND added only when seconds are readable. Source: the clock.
h=4 m=1
